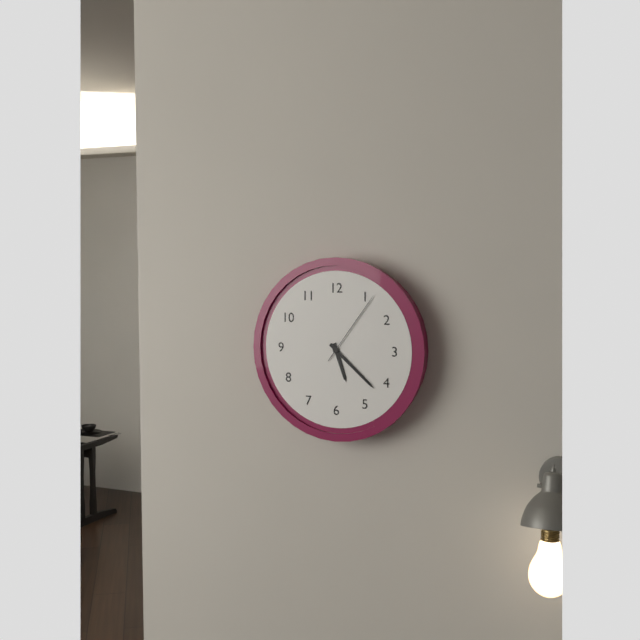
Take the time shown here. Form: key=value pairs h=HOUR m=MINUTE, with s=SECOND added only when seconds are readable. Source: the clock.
h=5 m=22 s=6
